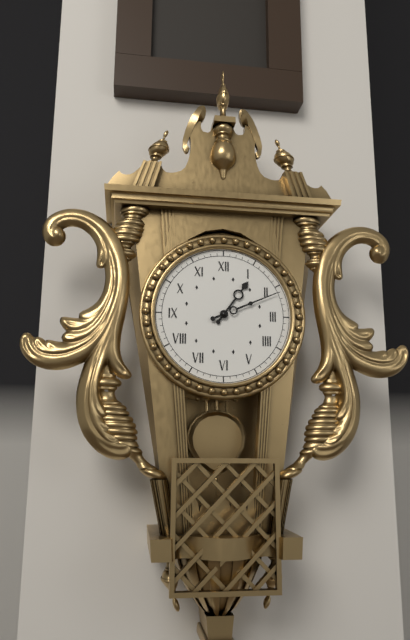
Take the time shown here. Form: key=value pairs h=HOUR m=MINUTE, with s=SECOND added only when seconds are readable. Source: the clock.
h=1 m=11
